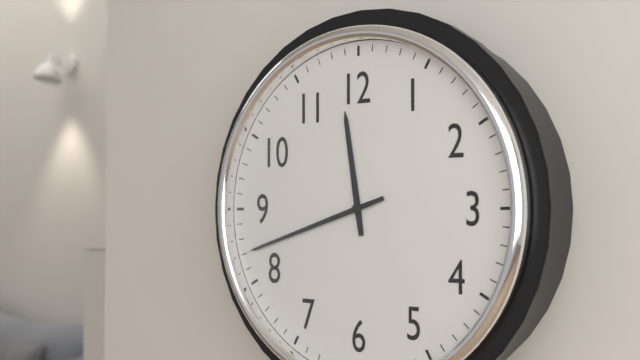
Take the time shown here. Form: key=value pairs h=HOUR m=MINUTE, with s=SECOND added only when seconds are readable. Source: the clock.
h=11 m=42
